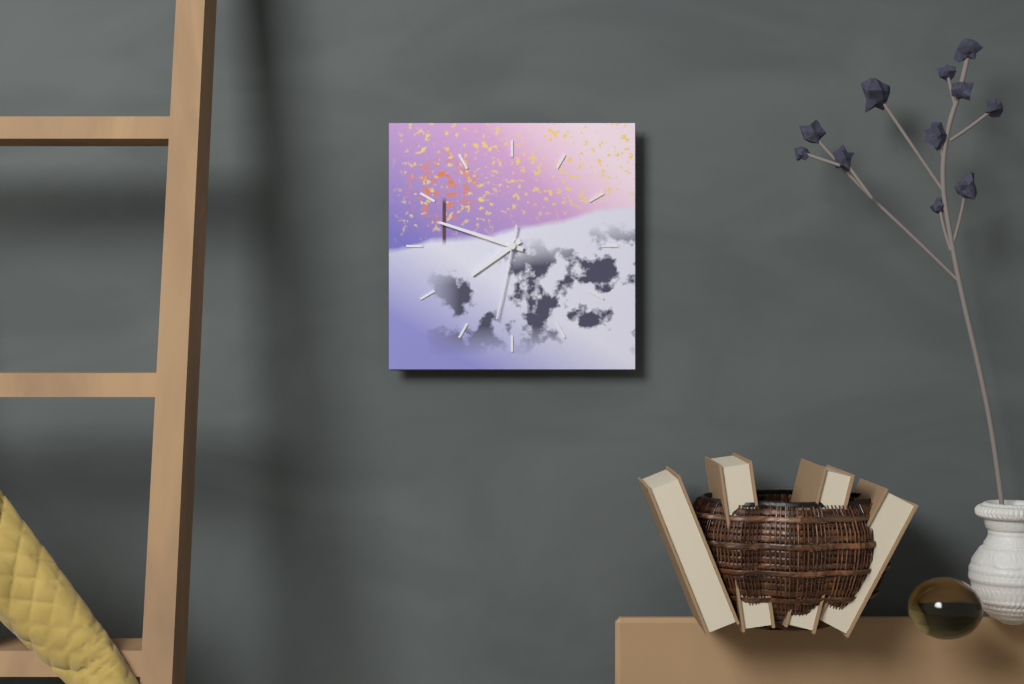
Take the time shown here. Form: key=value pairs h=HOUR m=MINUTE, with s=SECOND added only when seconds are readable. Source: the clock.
h=7 m=48 s=32
